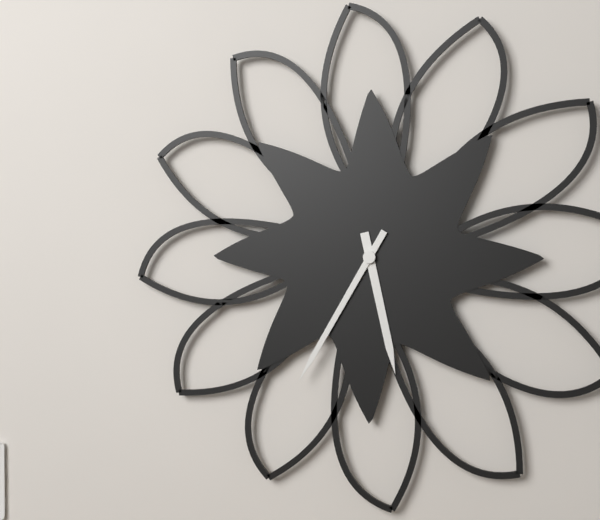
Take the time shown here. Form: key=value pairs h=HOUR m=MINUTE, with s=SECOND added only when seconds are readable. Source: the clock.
h=5 m=35
